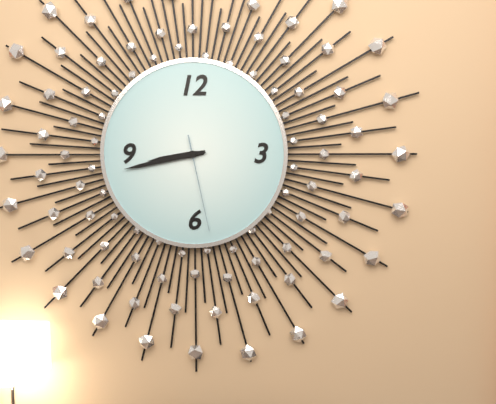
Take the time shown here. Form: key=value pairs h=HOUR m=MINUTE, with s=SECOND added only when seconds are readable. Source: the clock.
h=8 m=43 s=28
